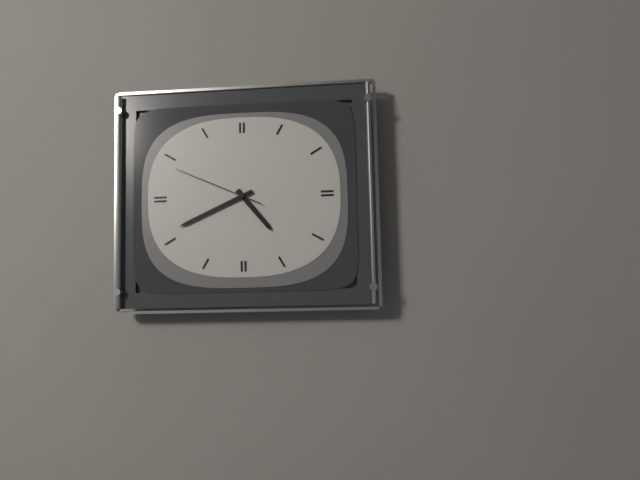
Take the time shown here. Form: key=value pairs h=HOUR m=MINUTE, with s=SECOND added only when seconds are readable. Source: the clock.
h=4 m=41 s=49
